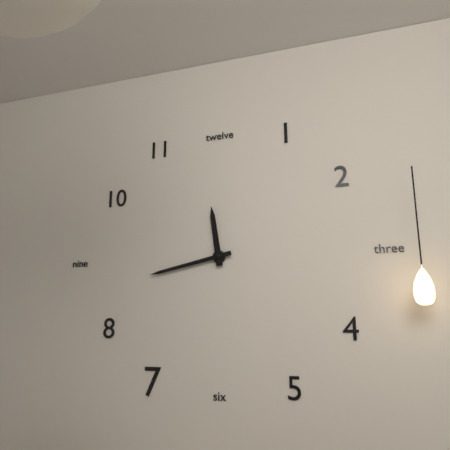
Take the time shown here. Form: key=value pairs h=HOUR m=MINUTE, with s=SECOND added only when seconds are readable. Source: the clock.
h=11 m=43
